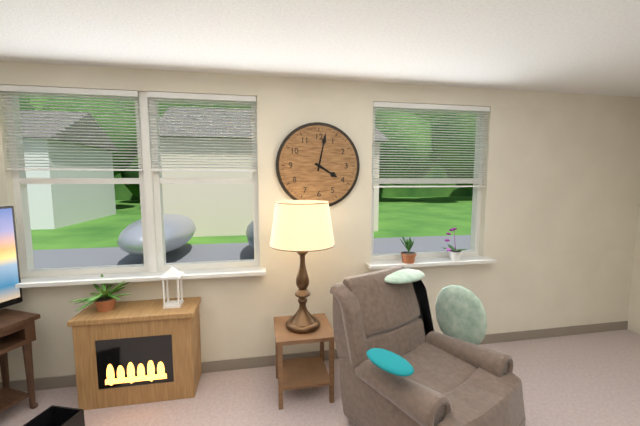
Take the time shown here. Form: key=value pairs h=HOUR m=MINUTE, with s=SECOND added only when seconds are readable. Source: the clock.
h=4 m=2
